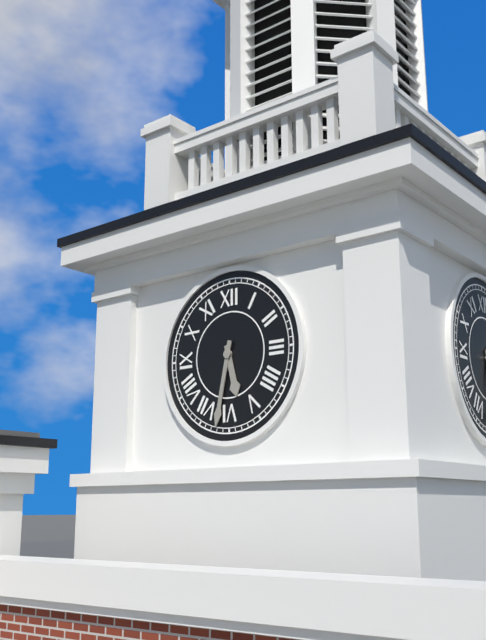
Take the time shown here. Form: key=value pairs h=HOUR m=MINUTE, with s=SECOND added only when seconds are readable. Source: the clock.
h=5 m=32
